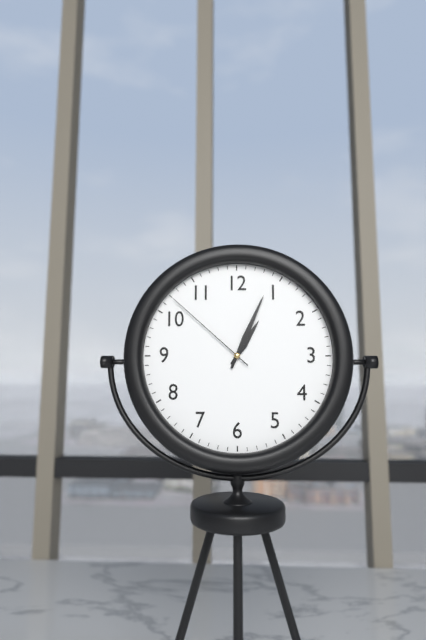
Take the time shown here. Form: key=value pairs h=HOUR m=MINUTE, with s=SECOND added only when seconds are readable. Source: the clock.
h=1 m=4 s=52
